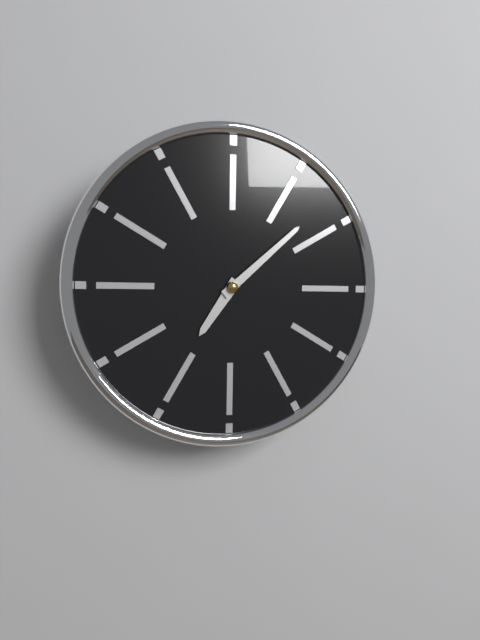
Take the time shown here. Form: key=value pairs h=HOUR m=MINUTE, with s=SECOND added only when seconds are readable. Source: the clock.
h=7 m=8
